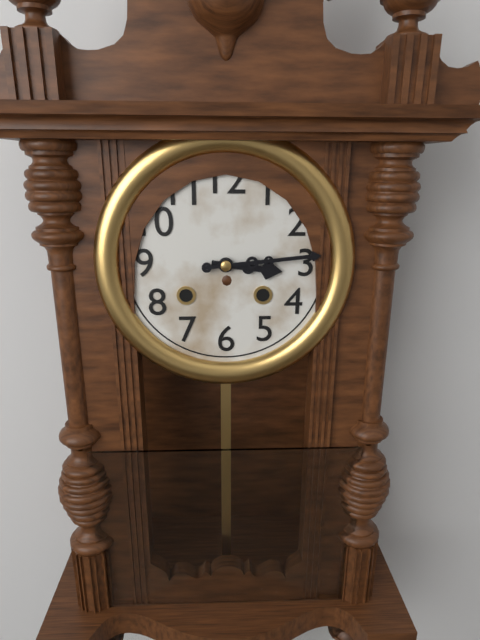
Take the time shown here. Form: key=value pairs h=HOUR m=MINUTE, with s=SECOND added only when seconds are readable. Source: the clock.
h=3 m=14
